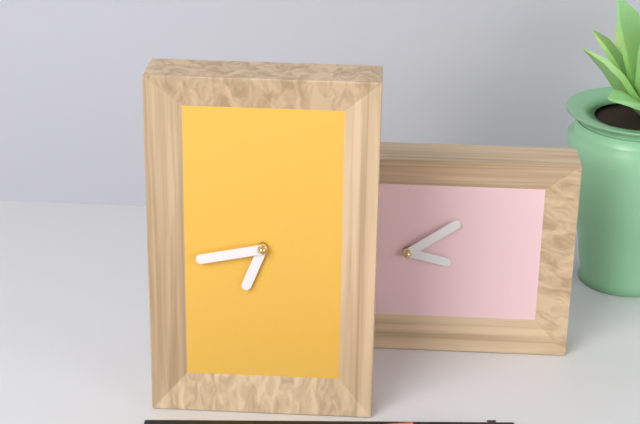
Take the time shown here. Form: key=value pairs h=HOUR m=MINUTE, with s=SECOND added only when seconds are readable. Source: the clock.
h=6 m=43
